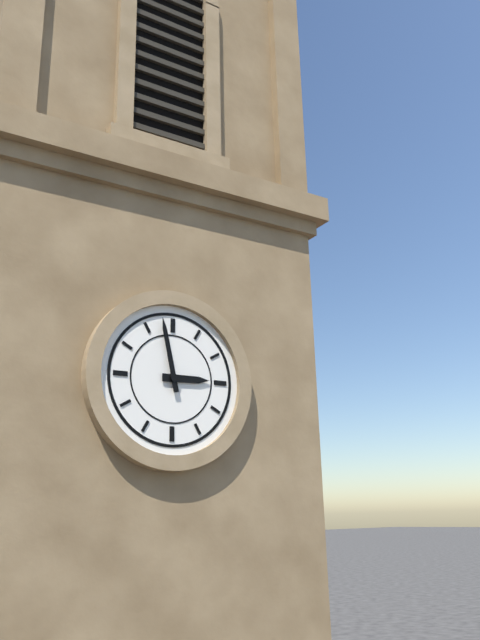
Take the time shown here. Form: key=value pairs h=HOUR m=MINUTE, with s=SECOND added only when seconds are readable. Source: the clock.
h=2 m=58
